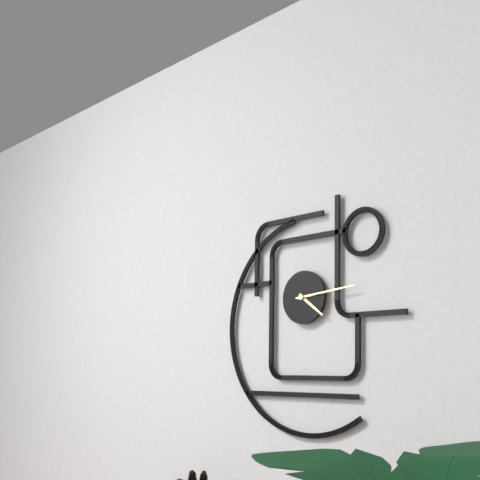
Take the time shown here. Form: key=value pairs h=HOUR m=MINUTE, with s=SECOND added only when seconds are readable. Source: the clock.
h=4 m=14
